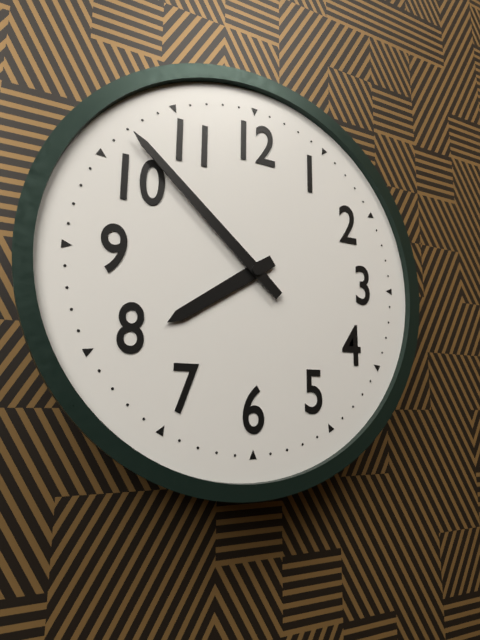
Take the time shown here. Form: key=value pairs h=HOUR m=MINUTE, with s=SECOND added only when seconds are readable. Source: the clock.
h=7 m=52
